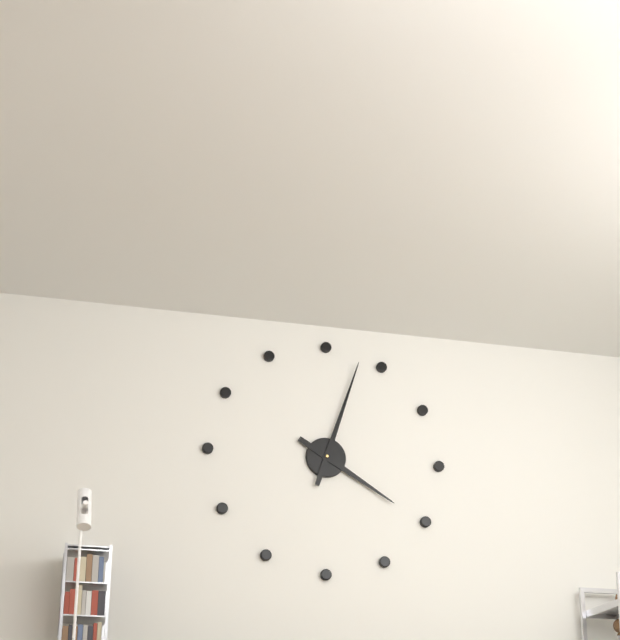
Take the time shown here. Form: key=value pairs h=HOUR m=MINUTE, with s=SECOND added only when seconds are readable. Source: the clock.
h=4 m=3
